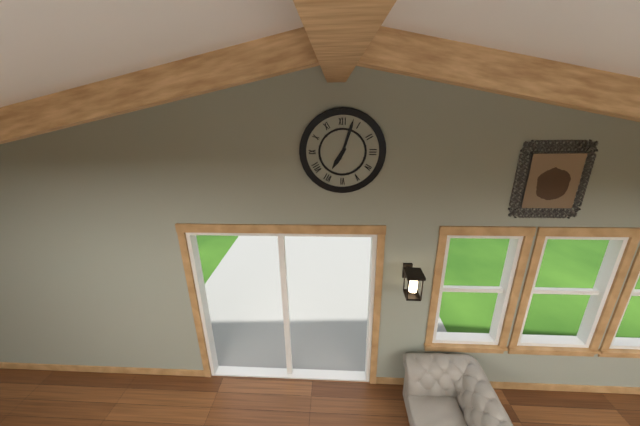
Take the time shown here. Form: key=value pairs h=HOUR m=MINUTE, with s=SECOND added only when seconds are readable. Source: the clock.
h=7 m=3
